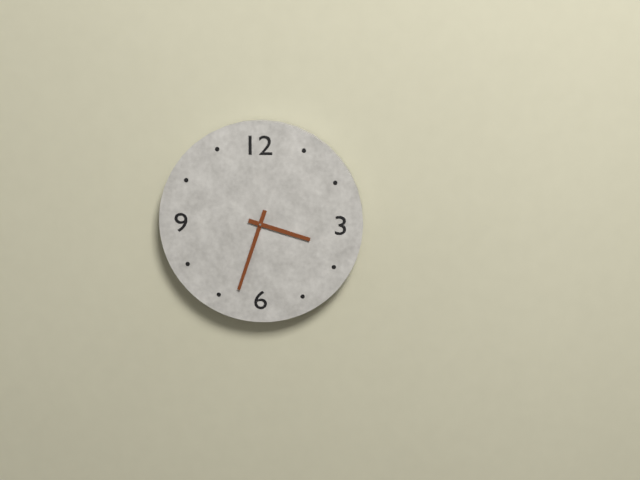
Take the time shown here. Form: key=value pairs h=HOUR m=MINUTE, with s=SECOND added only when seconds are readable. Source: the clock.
h=3 m=33
